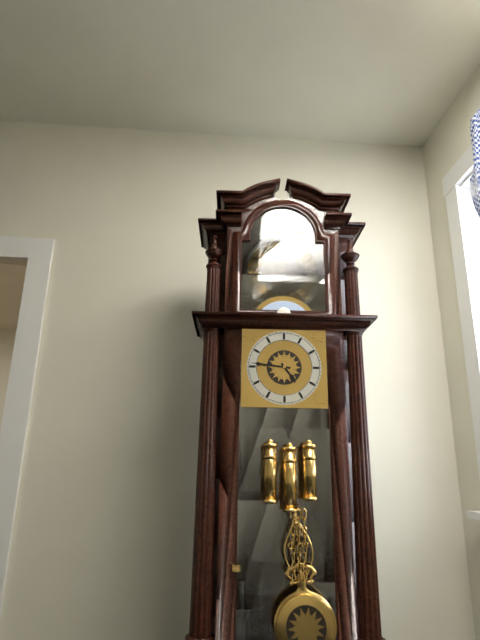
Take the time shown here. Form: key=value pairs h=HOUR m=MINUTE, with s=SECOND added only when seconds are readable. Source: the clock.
h=4 m=46
